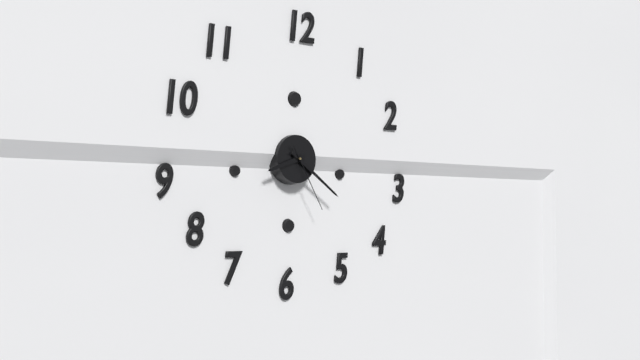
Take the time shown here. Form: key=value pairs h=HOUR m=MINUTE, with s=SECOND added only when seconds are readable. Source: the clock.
h=8 m=21 s=25
